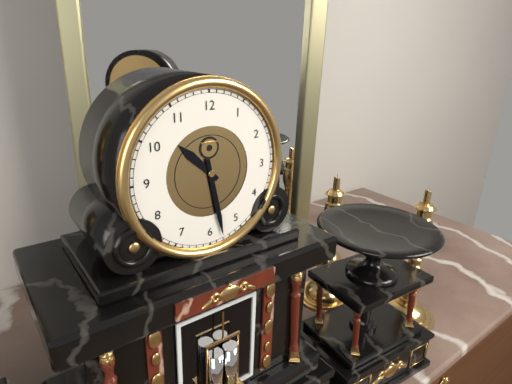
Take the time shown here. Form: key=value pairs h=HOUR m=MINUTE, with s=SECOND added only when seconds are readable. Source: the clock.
h=10 m=28
